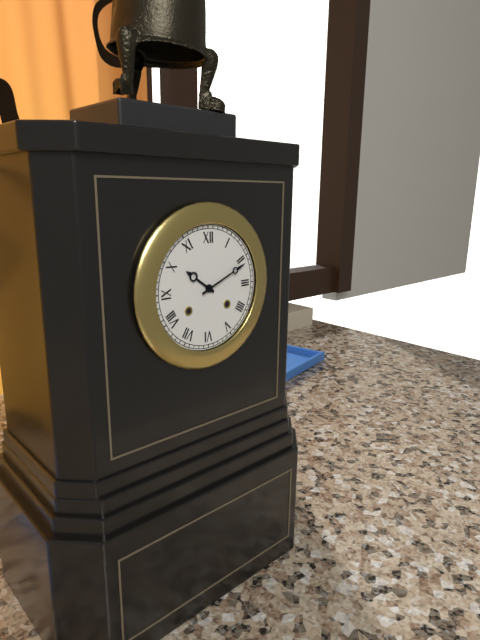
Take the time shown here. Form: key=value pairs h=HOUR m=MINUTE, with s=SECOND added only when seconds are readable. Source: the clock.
h=10 m=11
